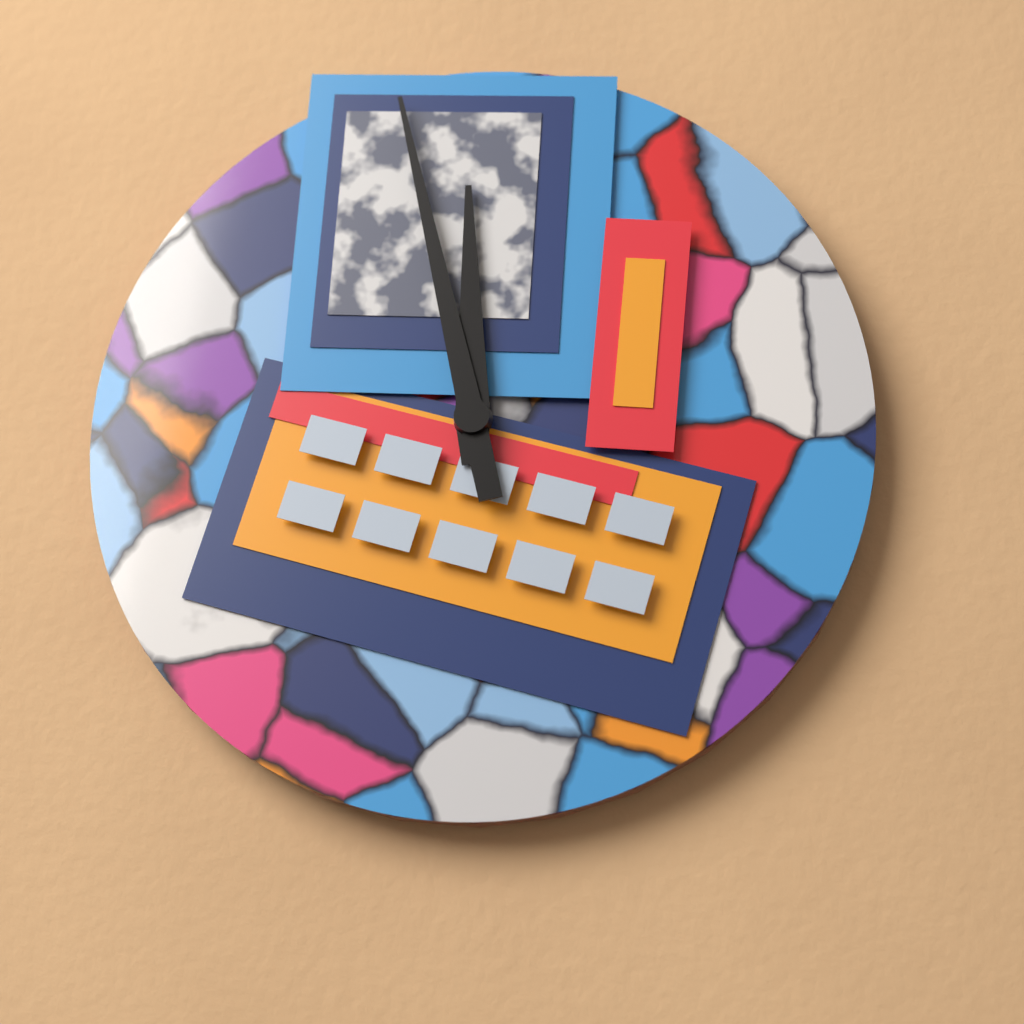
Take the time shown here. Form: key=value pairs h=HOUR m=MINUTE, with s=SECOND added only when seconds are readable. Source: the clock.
h=11 m=58
